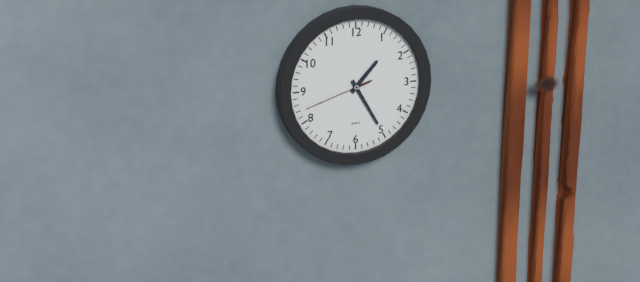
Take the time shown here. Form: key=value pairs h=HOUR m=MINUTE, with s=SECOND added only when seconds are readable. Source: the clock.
h=1 m=25 s=42
